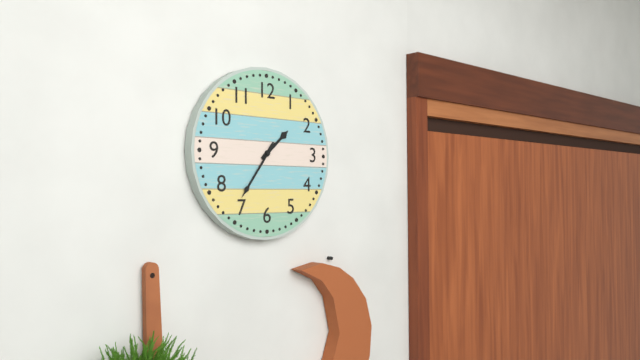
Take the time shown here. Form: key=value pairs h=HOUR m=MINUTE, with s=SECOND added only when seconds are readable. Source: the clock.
h=1 m=36
